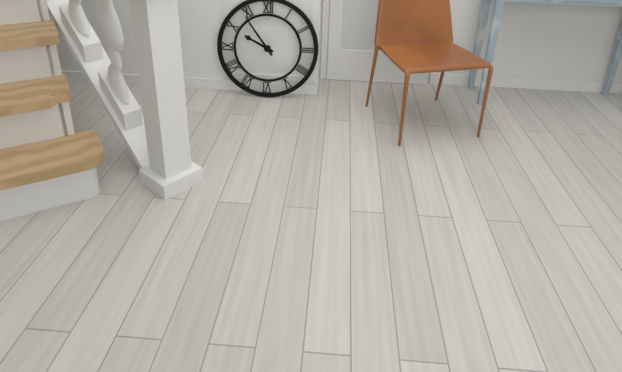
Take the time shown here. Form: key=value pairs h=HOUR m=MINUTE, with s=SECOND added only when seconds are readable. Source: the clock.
h=9 m=54
